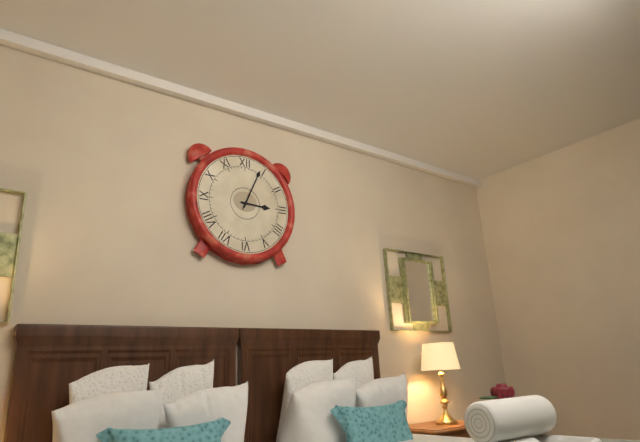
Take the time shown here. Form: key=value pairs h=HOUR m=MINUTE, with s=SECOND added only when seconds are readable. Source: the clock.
h=3 m=4
